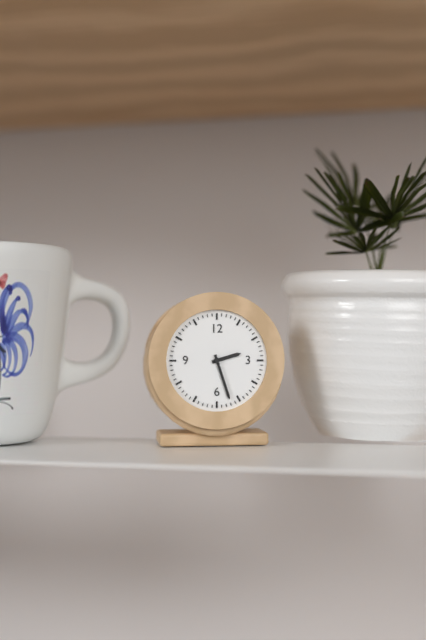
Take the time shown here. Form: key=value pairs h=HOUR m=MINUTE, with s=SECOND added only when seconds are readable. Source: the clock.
h=2 m=27
